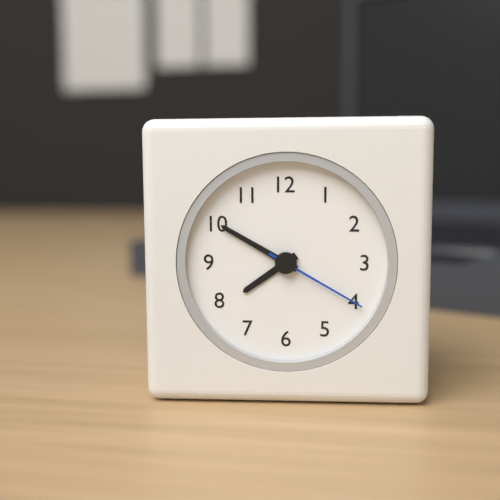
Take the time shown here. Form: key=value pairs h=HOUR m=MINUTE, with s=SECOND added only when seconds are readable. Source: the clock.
h=7 m=50 s=20
